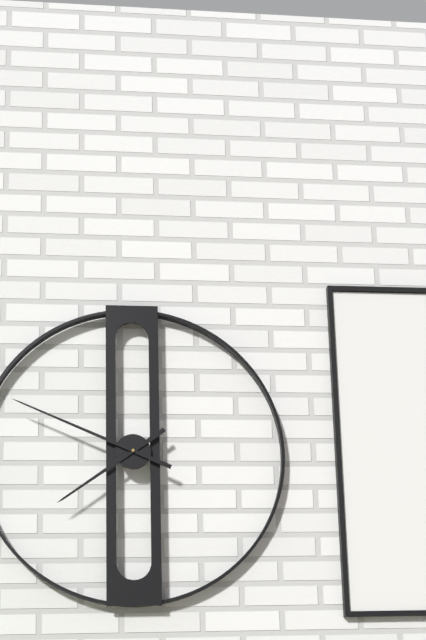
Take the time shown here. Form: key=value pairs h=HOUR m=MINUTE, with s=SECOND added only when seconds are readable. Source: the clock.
h=7 m=49
